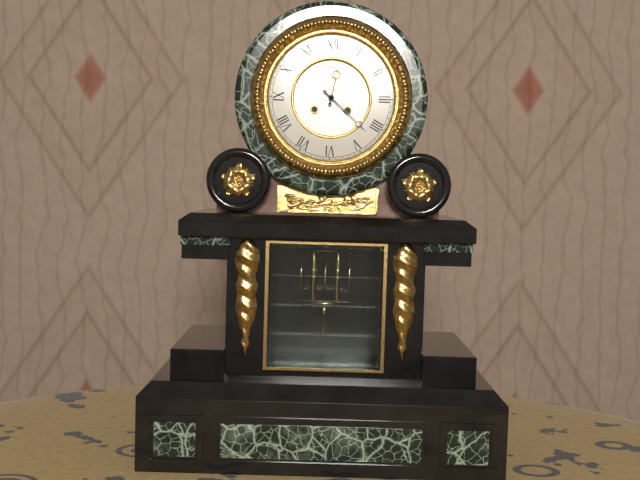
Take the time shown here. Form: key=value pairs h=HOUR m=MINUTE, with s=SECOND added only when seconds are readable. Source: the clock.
h=12 m=22
